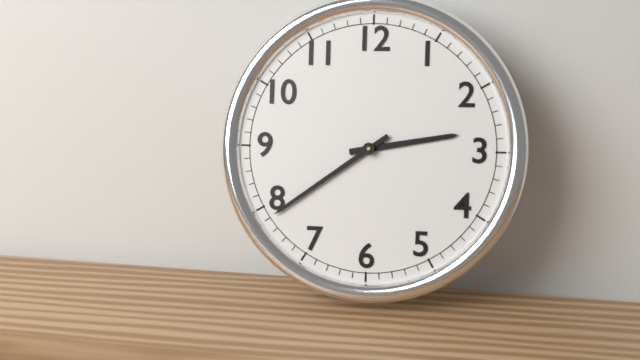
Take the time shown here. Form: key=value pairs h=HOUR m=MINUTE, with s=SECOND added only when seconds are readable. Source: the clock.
h=2 m=39
